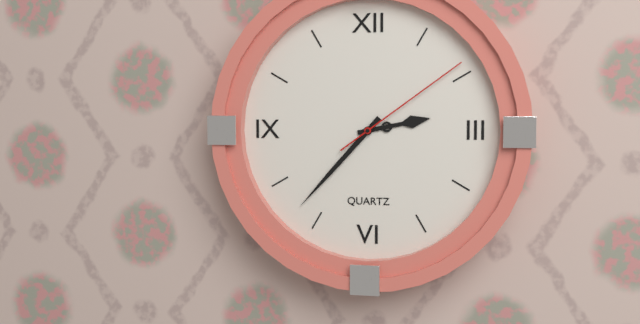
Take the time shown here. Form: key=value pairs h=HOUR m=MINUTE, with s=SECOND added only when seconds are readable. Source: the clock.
h=2 m=37 s=9
